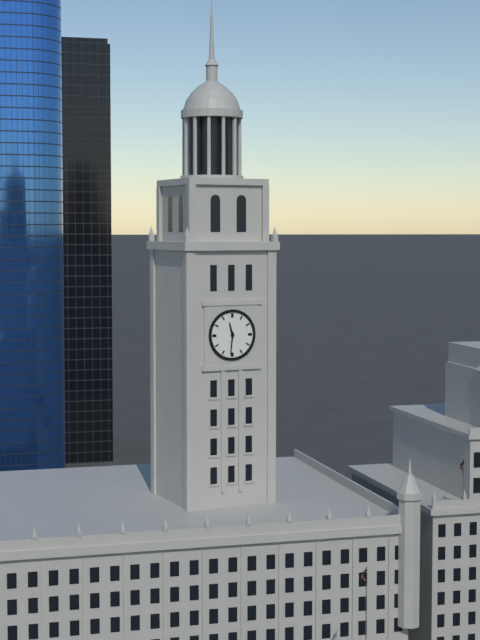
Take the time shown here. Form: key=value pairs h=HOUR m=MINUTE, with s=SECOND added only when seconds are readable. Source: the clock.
h=11 m=31
